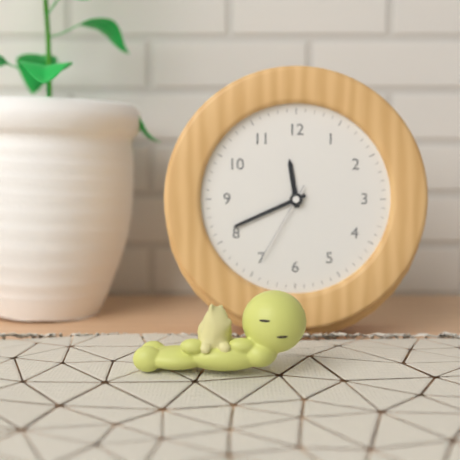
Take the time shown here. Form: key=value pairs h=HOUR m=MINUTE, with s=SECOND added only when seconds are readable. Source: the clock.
h=11 m=41 s=35
